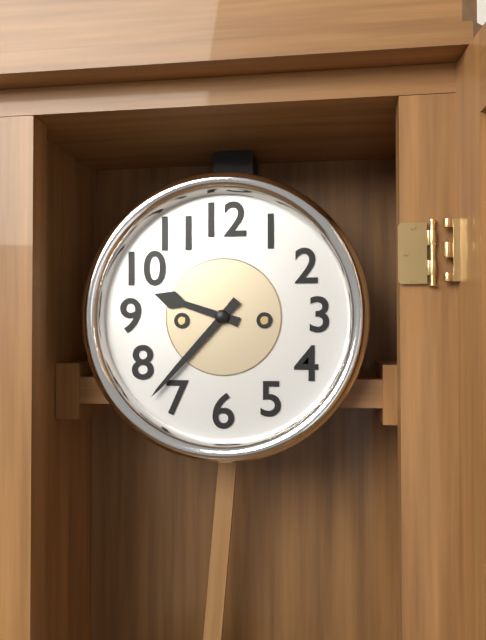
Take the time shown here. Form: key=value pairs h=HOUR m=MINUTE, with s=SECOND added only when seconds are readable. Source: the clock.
h=9 m=37
